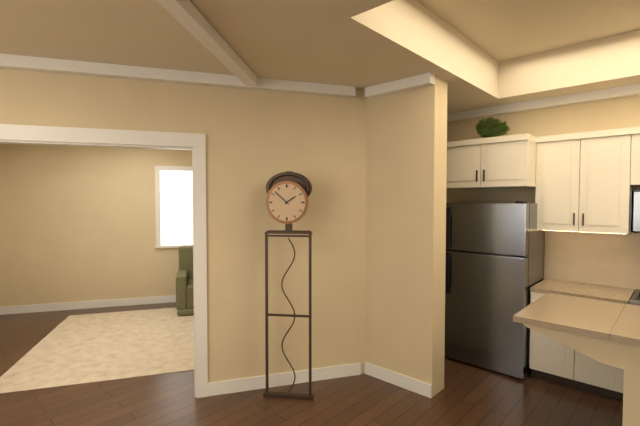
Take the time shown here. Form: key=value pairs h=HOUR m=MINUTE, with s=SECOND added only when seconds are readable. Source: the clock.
h=1 m=52
